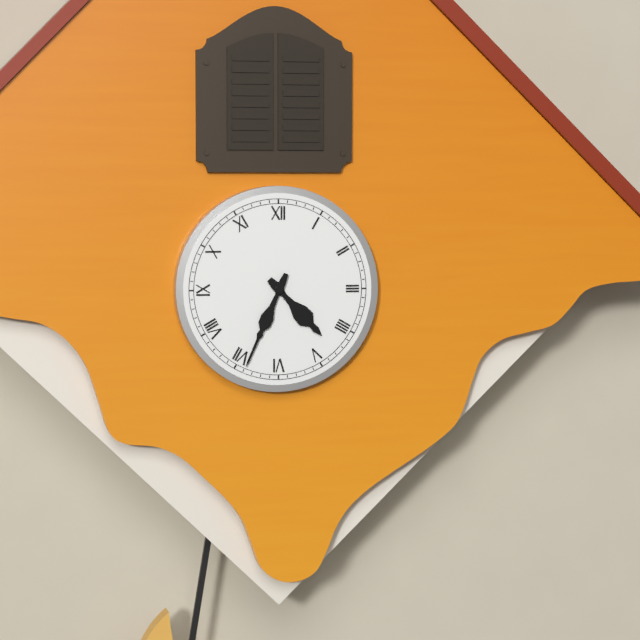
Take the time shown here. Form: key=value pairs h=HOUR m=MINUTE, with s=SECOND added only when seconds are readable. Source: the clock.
h=4 m=34
